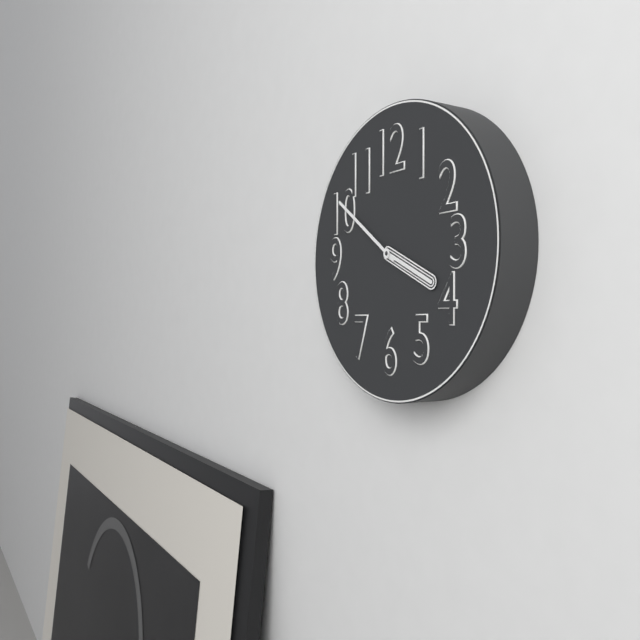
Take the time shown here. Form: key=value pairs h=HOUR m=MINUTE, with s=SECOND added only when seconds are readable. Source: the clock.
h=3 m=51
